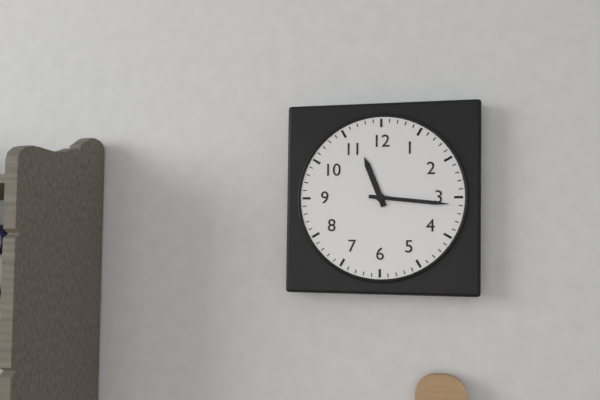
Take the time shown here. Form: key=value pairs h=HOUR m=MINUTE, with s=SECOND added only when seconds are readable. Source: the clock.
h=11 m=16
